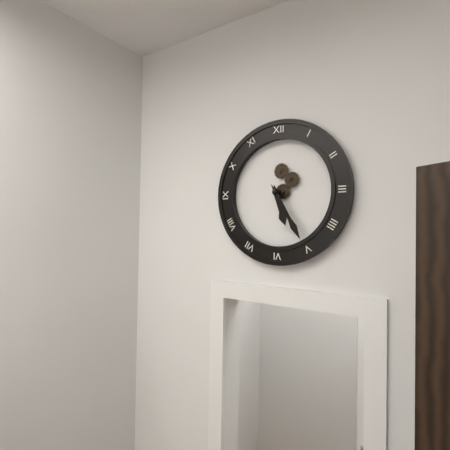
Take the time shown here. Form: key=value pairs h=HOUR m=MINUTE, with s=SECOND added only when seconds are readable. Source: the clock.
h=5 m=25
